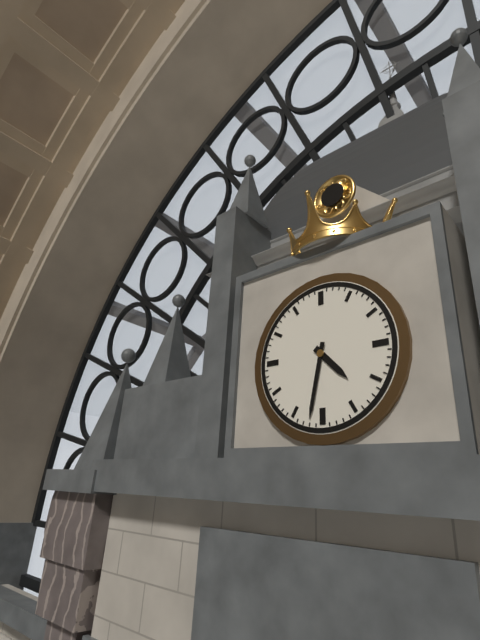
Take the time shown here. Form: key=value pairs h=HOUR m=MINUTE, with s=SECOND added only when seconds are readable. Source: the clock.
h=4 m=32
